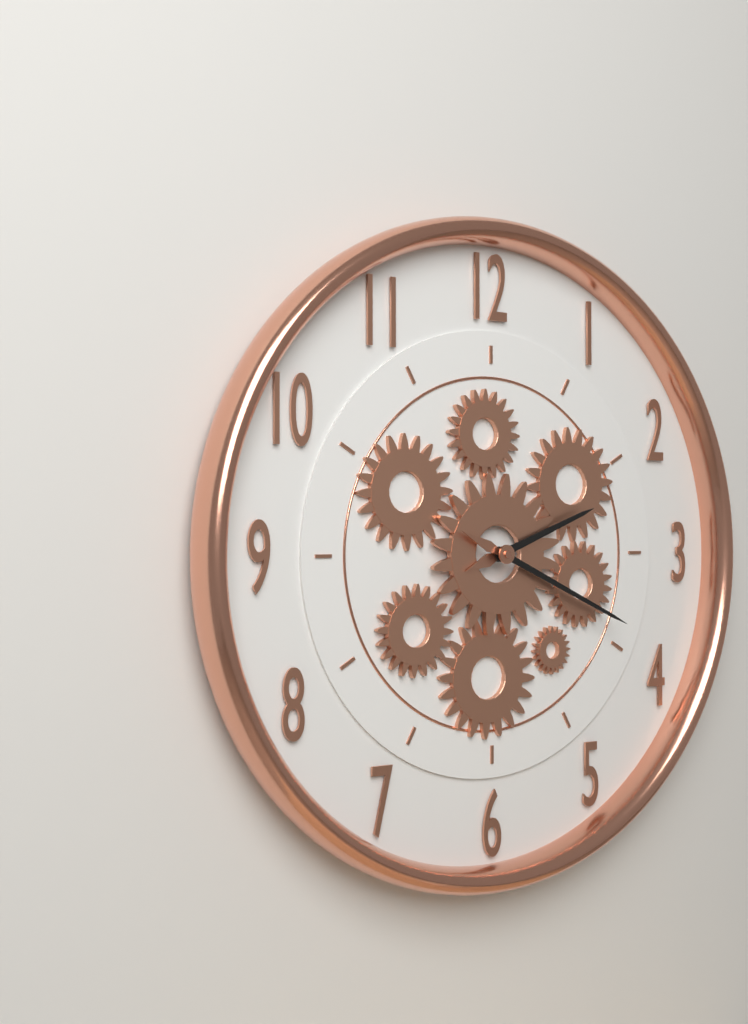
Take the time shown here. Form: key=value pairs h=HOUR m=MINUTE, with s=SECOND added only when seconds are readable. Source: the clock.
h=2 m=19
